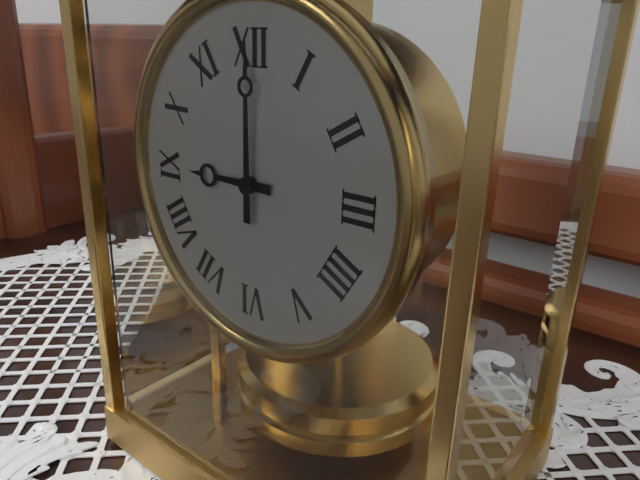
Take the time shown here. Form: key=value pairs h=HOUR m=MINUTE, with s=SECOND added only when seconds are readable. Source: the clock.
h=9 m=0
